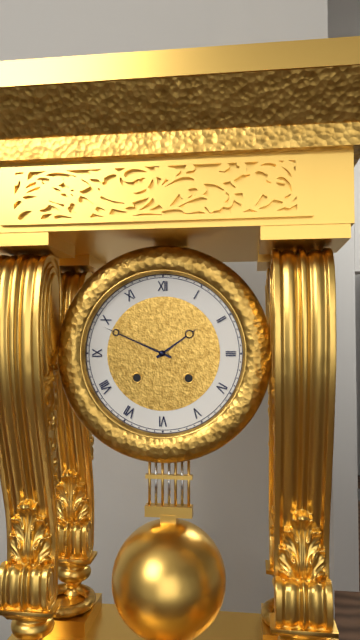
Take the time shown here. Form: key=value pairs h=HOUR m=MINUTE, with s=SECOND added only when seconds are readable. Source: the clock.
h=1 m=49
